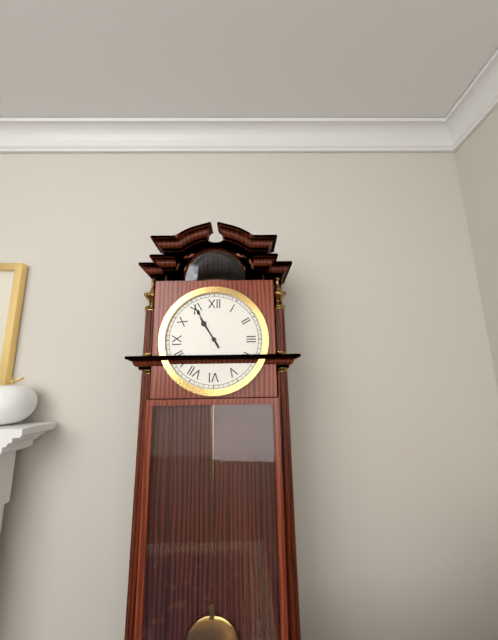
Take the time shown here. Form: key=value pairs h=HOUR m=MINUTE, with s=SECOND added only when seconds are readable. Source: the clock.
h=10 m=55
